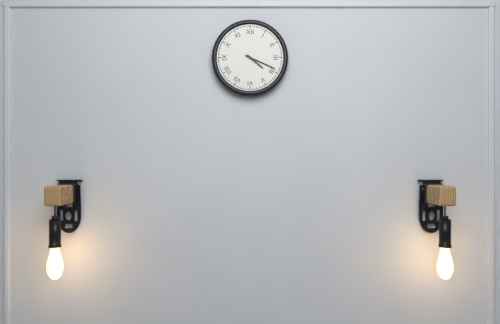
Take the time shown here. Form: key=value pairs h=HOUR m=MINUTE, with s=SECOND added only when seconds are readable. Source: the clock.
h=4 m=19
